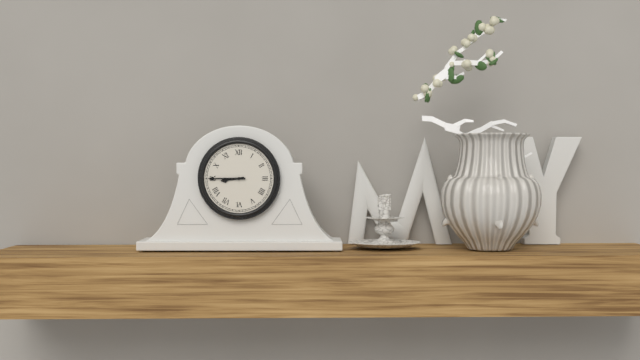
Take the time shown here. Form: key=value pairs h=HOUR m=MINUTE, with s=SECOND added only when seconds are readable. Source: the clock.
h=8 m=45
